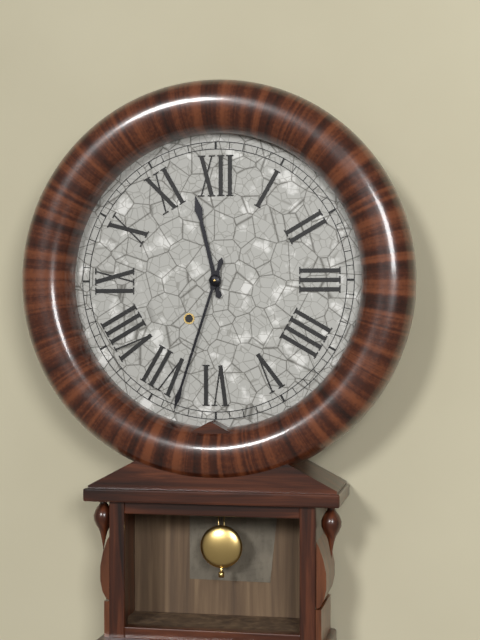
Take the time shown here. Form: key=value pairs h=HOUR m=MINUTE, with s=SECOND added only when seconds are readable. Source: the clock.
h=11 m=33
